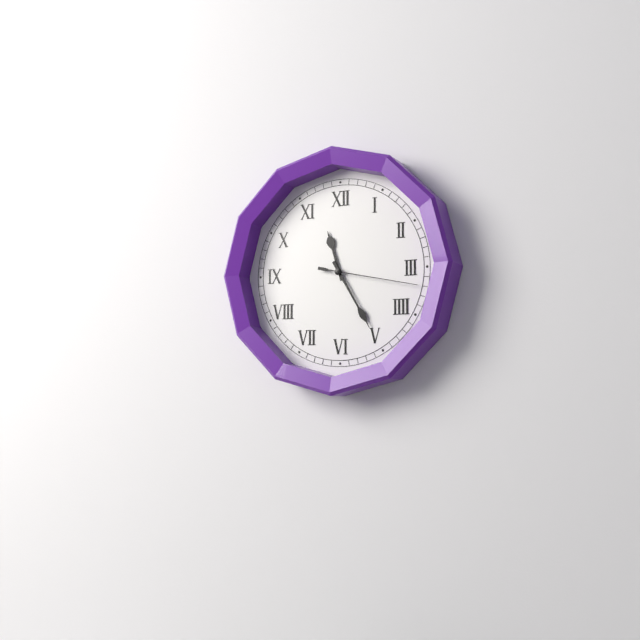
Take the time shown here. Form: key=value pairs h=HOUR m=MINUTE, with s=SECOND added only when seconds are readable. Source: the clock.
h=11 m=25 s=17
